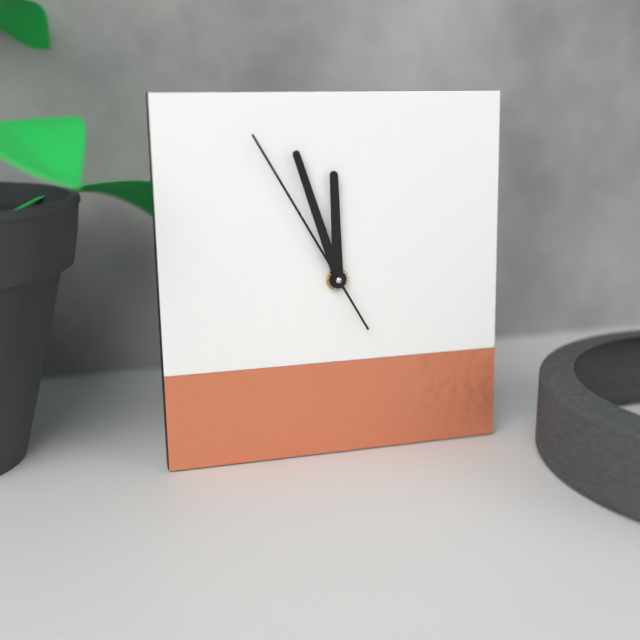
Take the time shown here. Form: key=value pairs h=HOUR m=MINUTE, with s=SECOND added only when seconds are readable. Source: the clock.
h=11 m=57 s=55
